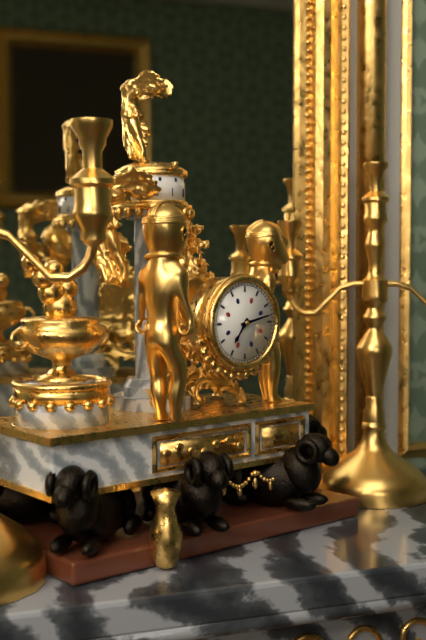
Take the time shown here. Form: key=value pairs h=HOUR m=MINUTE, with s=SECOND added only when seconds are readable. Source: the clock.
h=7 m=13
